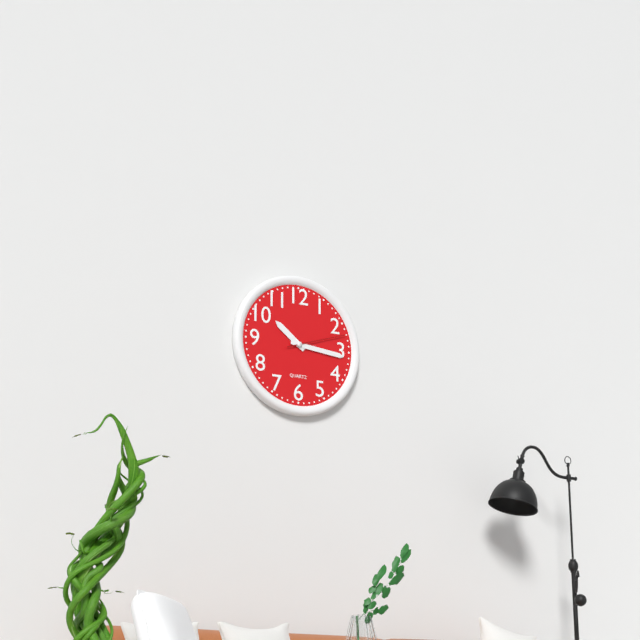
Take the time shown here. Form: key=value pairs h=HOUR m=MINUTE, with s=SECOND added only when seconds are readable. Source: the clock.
h=10 m=16 s=12
